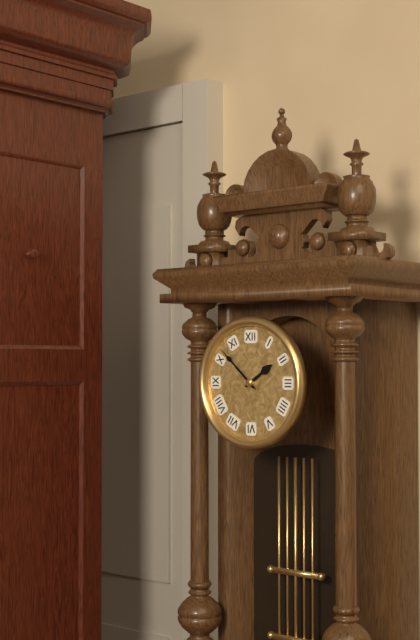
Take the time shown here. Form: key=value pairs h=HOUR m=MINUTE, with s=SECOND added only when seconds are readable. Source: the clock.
h=1 m=52
